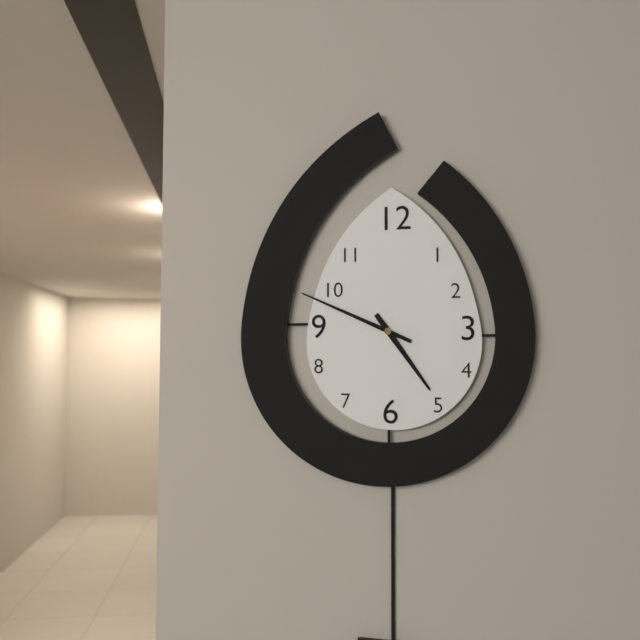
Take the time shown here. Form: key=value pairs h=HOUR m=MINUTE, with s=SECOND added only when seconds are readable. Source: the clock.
h=4 m=49
